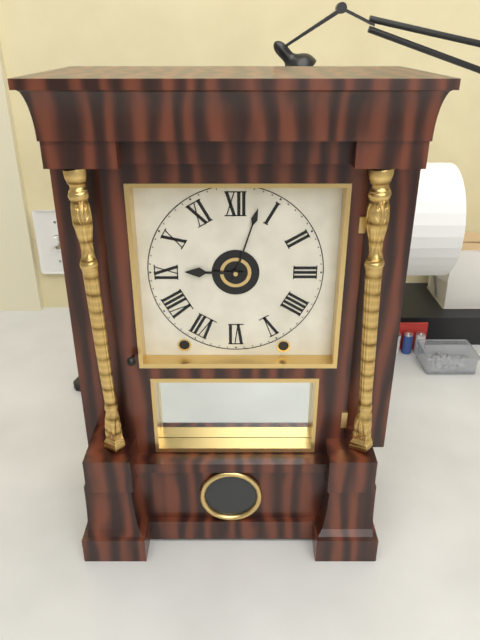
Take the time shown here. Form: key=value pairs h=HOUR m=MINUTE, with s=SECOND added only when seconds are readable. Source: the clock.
h=9 m=3
